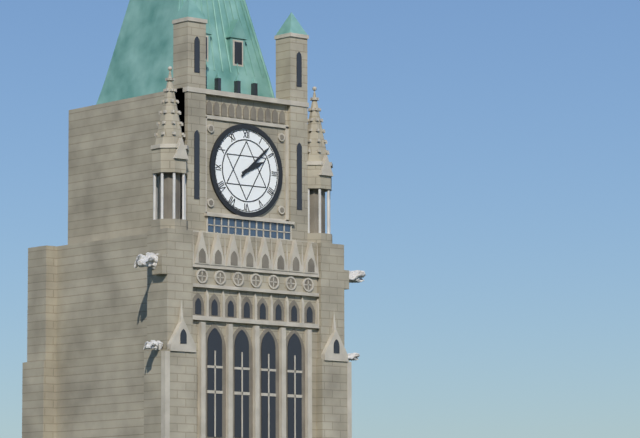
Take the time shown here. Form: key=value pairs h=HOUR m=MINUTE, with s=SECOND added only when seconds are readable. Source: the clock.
h=2 m=8
